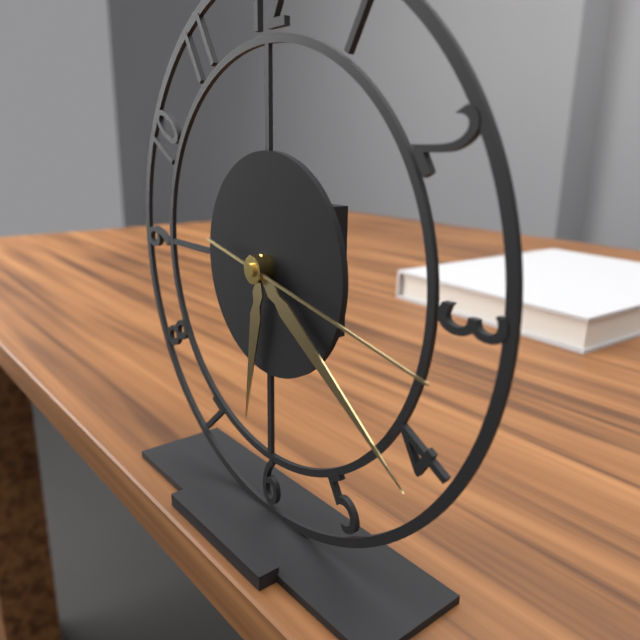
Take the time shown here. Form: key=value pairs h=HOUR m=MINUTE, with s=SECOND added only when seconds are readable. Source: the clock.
h=6 m=21 s=17
